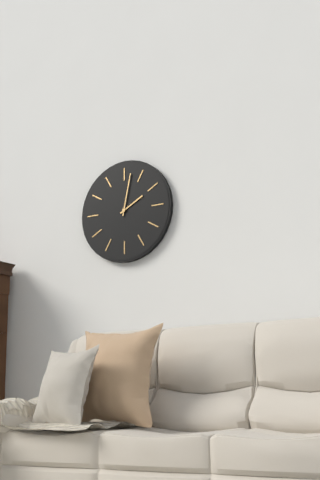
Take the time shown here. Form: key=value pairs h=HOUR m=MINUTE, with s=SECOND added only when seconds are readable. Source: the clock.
h=2 m=2
